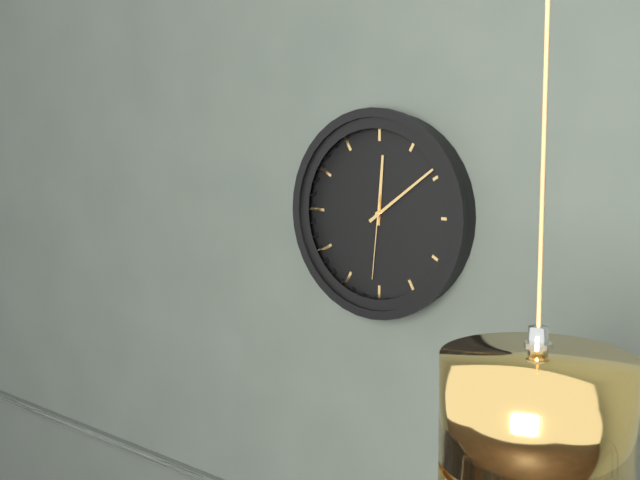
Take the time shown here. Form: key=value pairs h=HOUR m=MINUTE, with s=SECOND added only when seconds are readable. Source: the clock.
h=12 m=9 s=31
